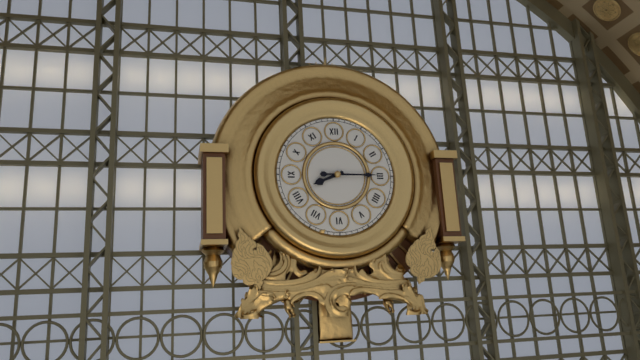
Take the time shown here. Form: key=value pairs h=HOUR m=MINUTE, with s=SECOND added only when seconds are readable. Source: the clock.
h=8 m=15
